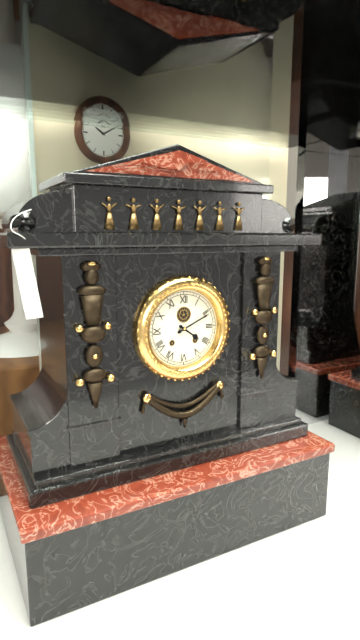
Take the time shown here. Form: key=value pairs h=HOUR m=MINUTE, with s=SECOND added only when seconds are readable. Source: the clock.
h=4 m=11
